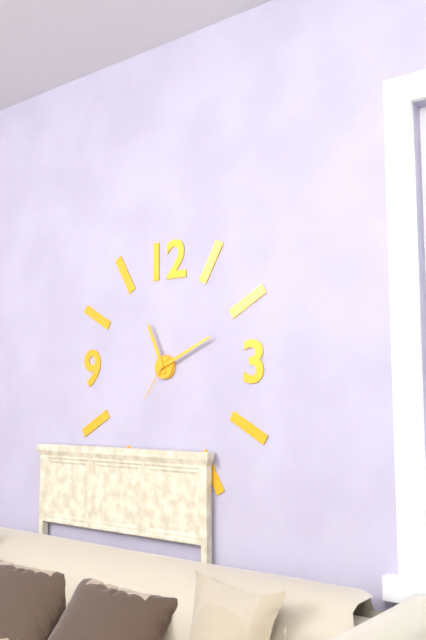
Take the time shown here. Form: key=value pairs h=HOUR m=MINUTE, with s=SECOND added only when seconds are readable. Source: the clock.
h=11 m=11
